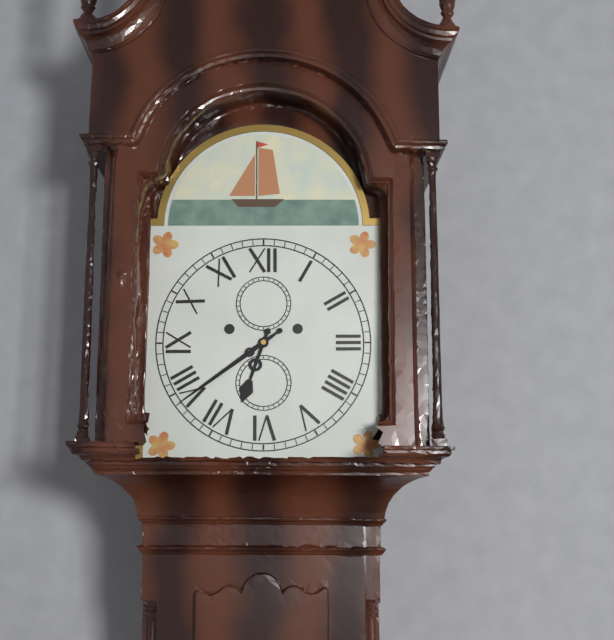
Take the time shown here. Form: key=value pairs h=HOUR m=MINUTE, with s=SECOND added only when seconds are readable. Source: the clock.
h=6 m=39
